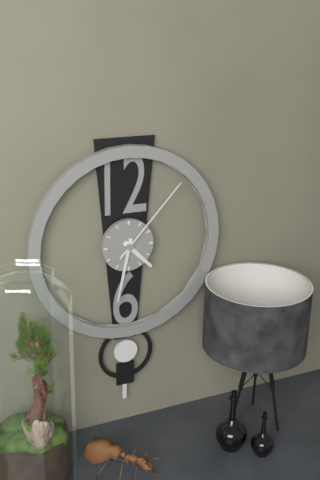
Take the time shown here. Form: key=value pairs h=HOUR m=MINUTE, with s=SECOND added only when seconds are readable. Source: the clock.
h=4 m=32 s=7
